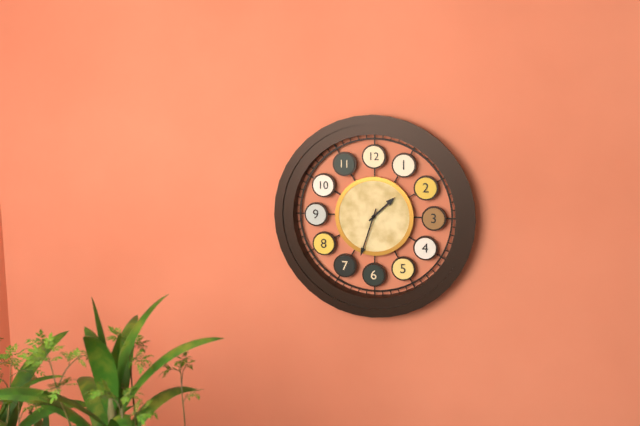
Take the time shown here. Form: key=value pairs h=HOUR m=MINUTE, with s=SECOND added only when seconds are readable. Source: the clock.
h=1 m=33
